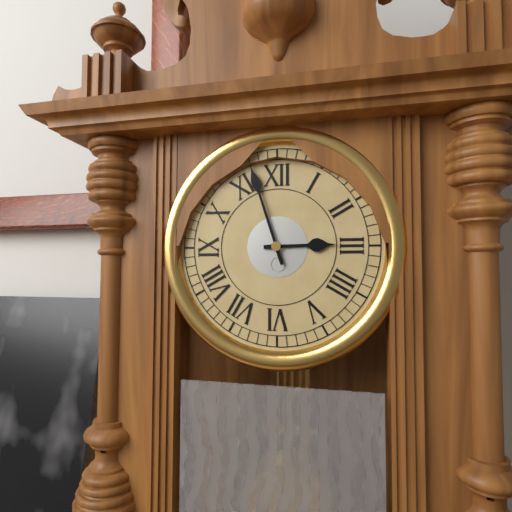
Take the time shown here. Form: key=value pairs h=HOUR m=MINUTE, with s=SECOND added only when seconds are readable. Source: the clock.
h=2 m=57
